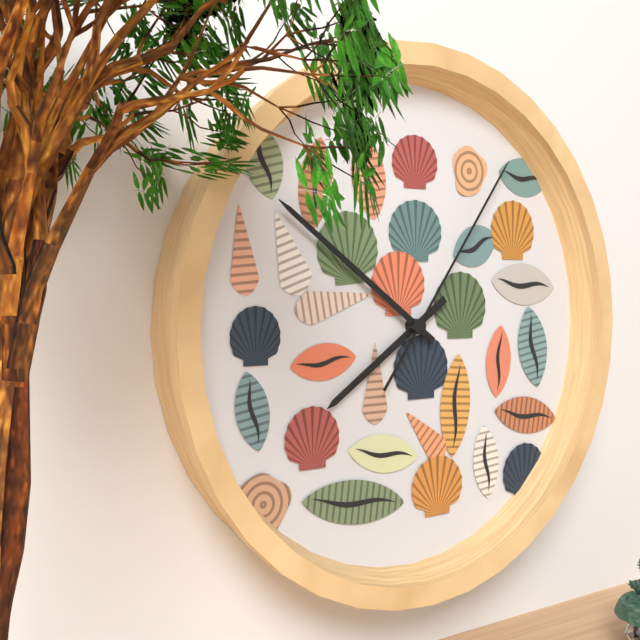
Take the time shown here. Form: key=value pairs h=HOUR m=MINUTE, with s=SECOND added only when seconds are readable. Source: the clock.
h=7 m=51 s=6
